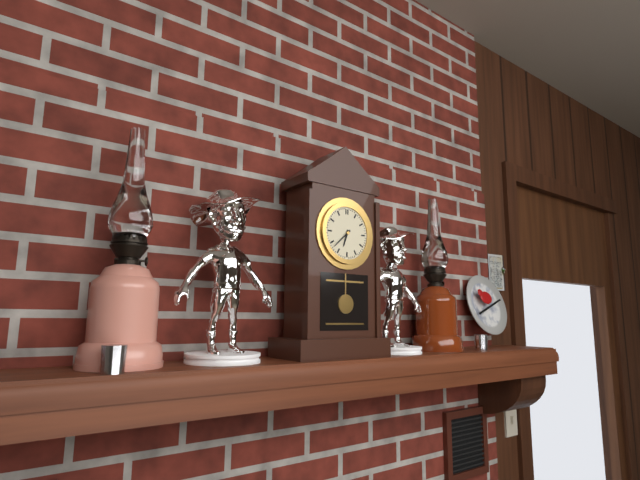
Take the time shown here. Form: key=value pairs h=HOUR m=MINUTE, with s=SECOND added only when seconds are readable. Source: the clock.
h=6 m=38
